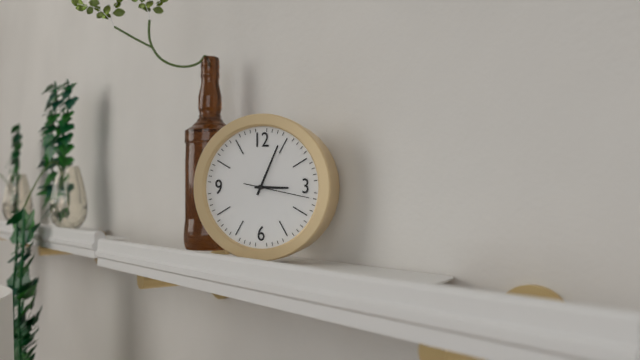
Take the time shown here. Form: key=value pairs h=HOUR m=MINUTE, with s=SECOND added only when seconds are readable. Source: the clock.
h=3 m=4 s=17
